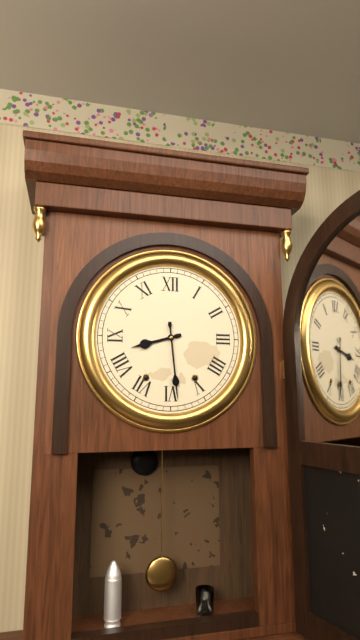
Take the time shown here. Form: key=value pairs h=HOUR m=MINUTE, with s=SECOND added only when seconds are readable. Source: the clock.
h=8 m=29
